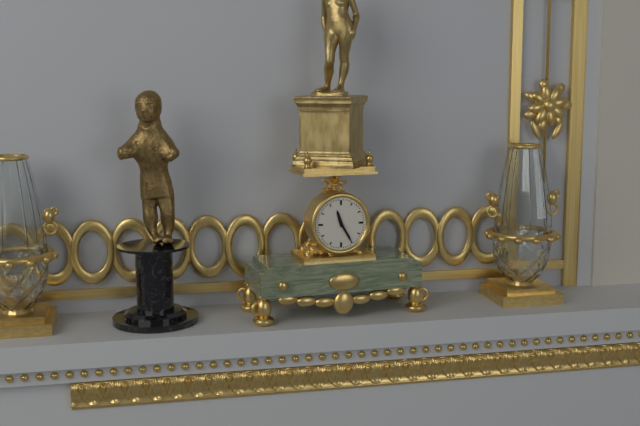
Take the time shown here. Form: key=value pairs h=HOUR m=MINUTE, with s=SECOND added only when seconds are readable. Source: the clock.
h=11 m=25
